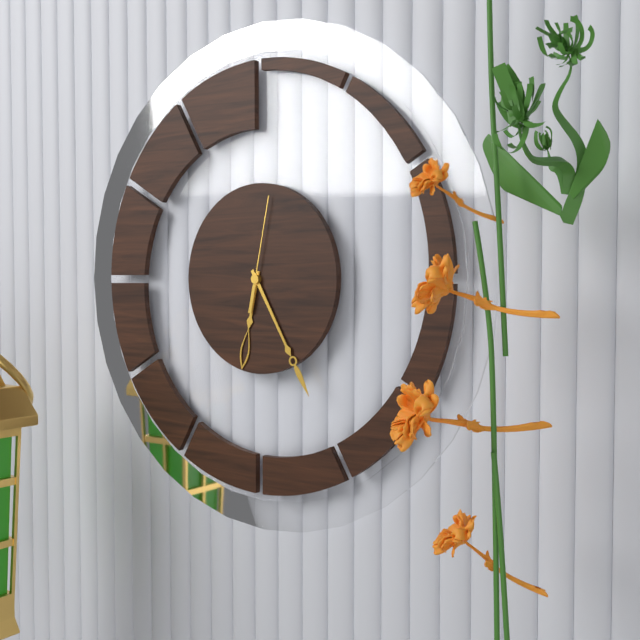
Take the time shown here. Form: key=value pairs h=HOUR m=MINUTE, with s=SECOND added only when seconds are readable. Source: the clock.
h=6 m=25 s=2
